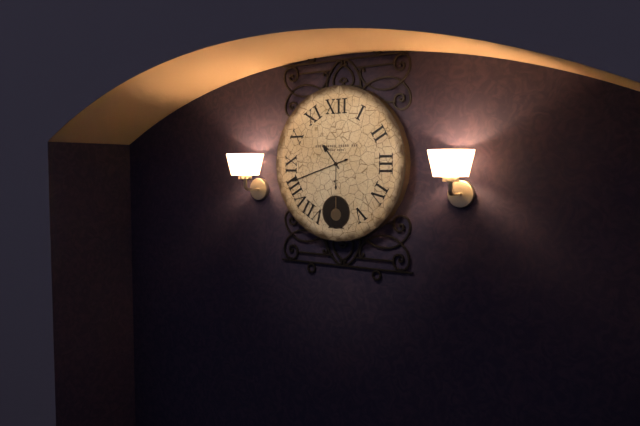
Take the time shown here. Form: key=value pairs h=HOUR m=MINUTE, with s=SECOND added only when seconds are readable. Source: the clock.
h=10 m=42
